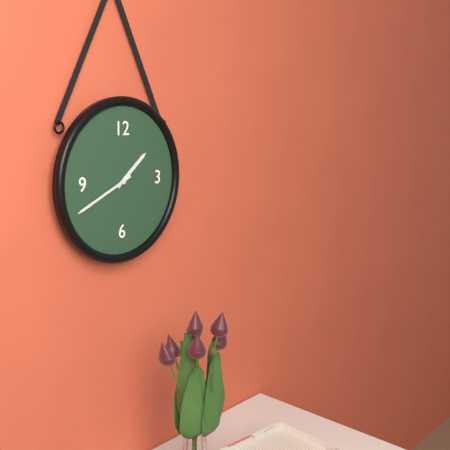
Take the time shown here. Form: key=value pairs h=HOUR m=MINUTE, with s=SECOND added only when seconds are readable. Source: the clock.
h=1 m=41
